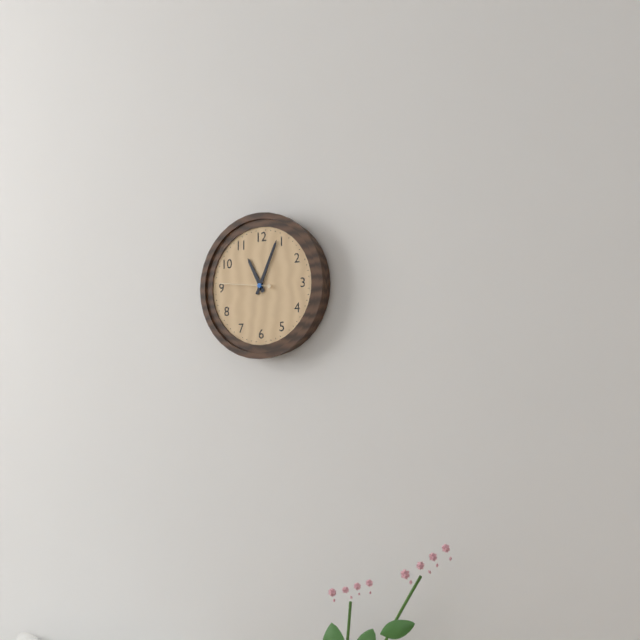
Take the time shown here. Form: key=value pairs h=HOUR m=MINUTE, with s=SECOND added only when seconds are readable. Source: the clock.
h=11 m=4 s=46
